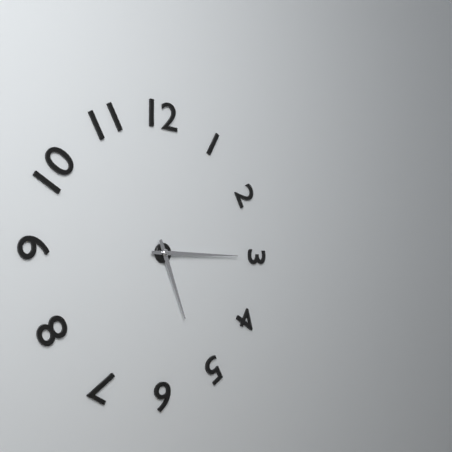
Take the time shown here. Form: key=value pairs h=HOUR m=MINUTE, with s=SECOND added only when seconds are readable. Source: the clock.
h=5 m=15
